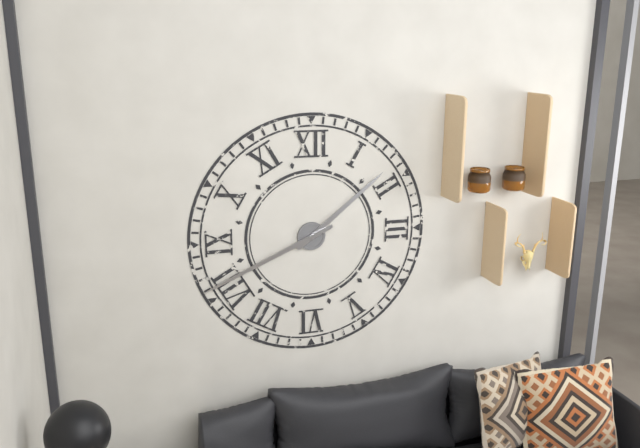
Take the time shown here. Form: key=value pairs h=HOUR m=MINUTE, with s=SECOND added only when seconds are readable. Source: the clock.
h=1 m=41
